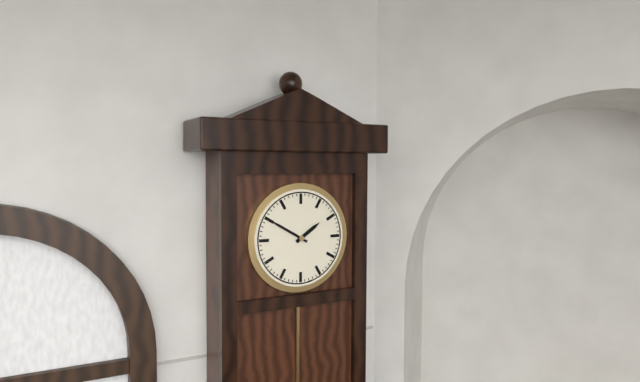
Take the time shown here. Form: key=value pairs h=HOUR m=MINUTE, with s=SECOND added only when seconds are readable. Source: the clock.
h=1 m=50
